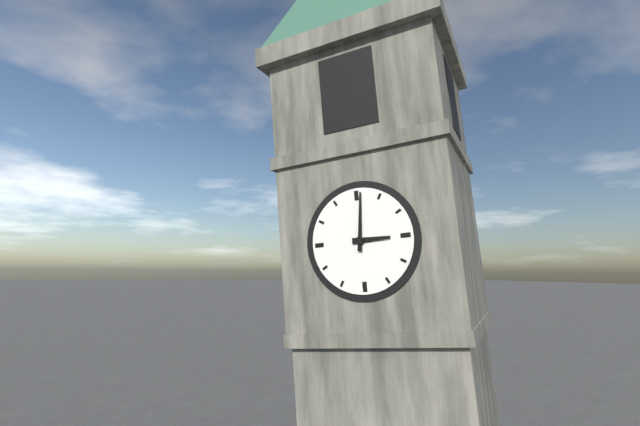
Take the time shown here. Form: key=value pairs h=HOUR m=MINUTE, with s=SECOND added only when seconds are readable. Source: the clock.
h=3 m=1
